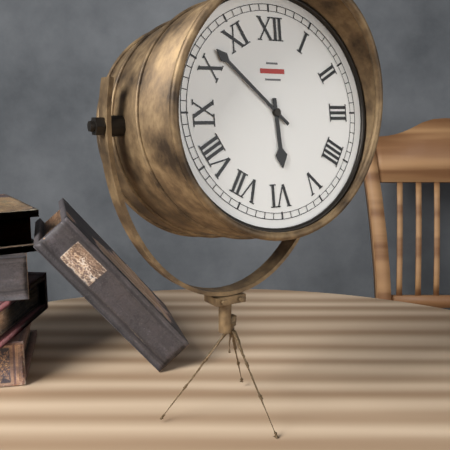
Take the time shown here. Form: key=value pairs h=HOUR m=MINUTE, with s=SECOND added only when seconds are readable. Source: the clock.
h=5 m=52
